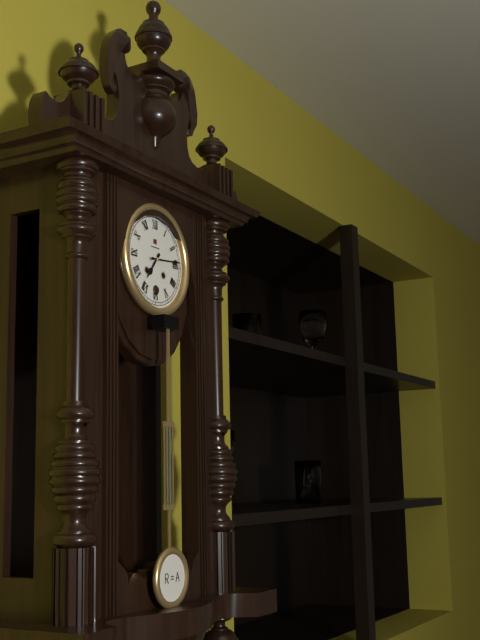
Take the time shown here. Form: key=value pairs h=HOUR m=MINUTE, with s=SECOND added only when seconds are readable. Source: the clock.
h=7 m=14
